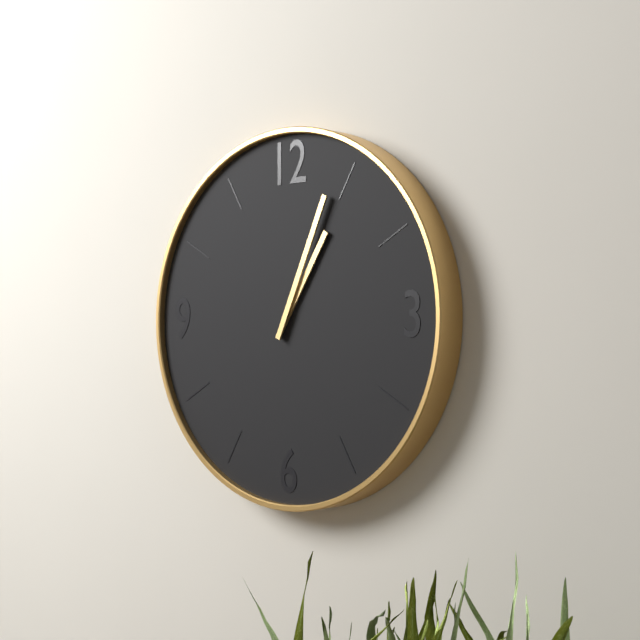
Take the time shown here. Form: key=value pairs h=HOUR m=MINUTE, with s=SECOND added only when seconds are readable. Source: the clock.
h=1 m=4
